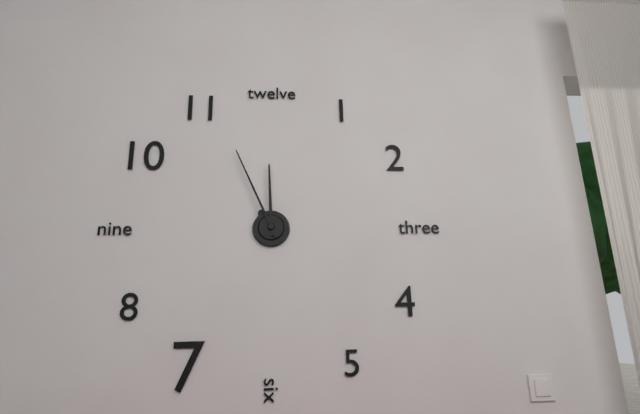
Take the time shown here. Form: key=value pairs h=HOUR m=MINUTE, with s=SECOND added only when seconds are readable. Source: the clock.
h=11 m=56
